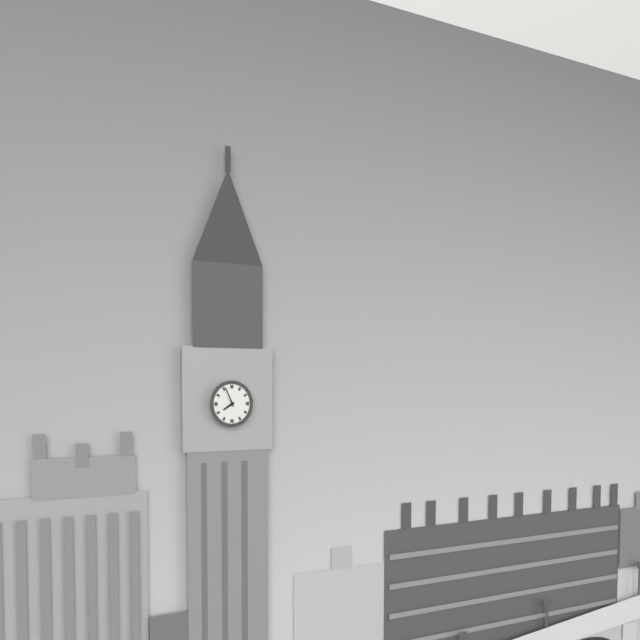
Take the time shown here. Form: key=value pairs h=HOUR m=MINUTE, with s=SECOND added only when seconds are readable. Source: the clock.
h=7 m=56
